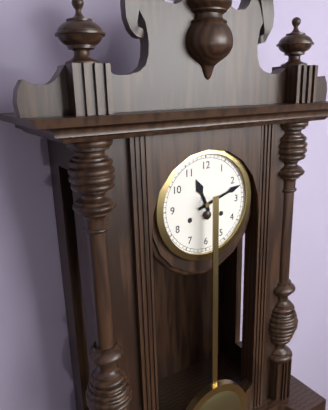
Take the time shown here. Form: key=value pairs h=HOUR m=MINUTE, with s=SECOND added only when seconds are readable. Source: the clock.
h=11 m=12
